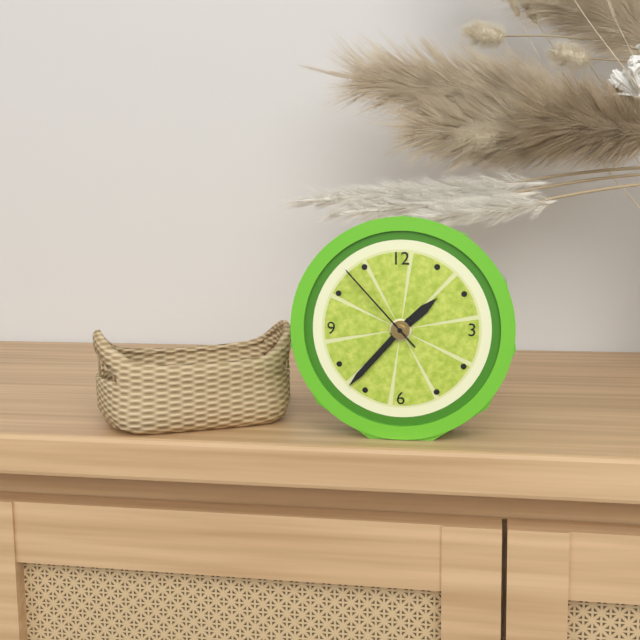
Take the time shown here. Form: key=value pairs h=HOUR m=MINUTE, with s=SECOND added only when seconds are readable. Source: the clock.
h=1 m=37 s=53
